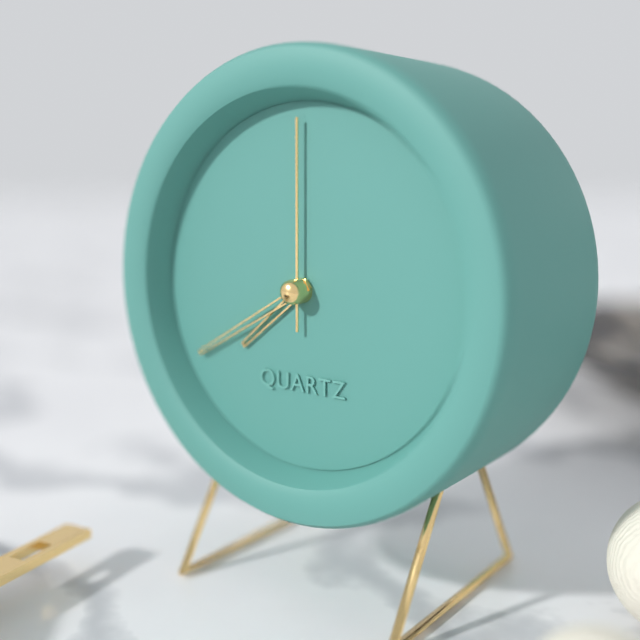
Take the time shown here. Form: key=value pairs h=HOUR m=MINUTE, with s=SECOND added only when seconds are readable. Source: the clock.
h=7 m=40 s=0
